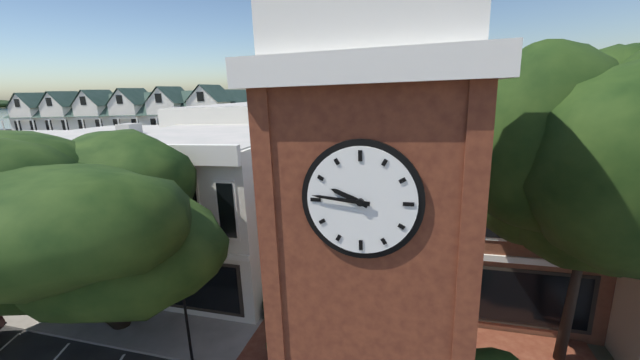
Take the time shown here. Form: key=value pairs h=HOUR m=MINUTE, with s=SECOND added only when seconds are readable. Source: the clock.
h=9 m=46
